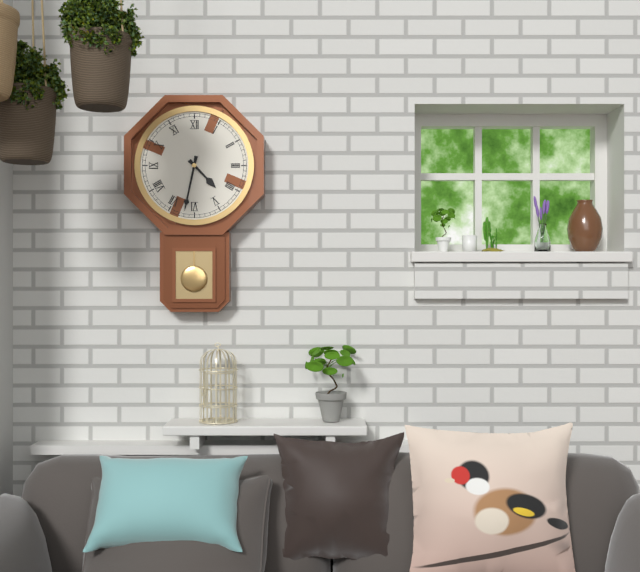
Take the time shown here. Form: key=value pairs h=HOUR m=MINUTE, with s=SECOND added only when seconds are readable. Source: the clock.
h=4 m=32
